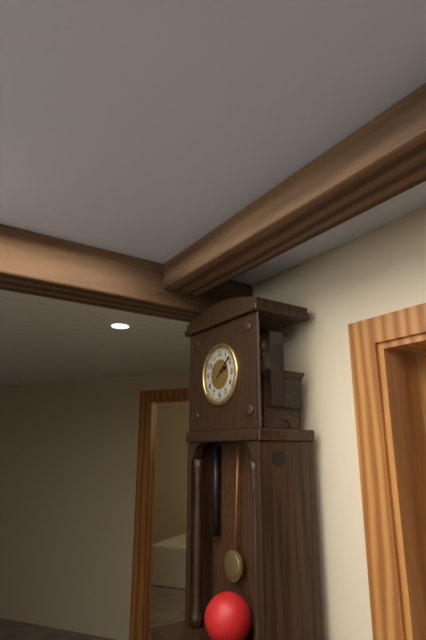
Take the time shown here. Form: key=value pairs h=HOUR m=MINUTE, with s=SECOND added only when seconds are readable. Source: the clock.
h=2 m=8
